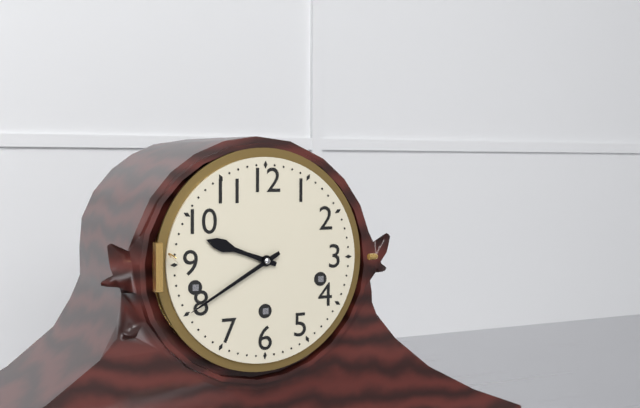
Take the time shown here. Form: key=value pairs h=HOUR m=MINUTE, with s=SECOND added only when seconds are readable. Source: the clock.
h=9 m=40
